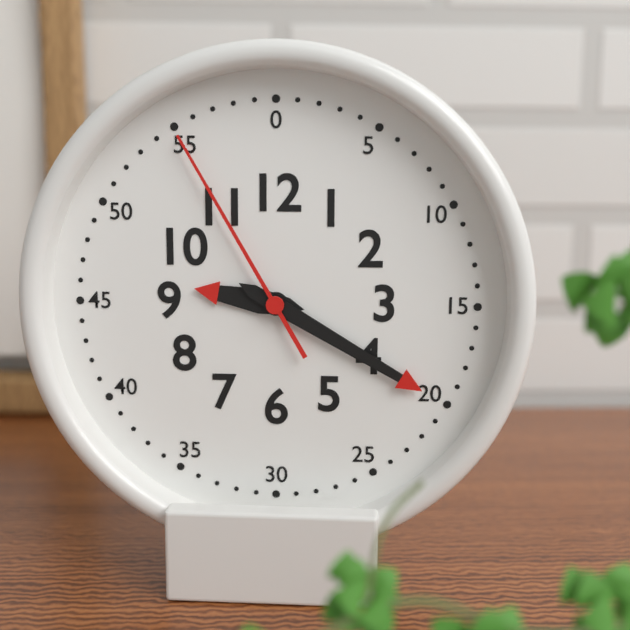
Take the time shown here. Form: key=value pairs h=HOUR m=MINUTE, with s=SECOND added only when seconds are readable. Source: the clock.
h=9 m=20 s=55
